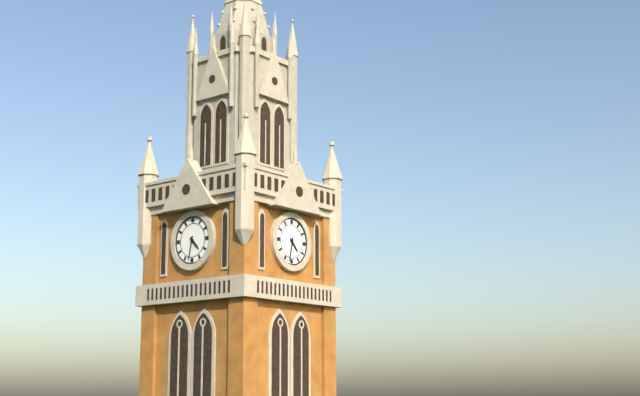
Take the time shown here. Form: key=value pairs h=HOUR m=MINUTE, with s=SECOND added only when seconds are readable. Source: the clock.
h=4 m=32
